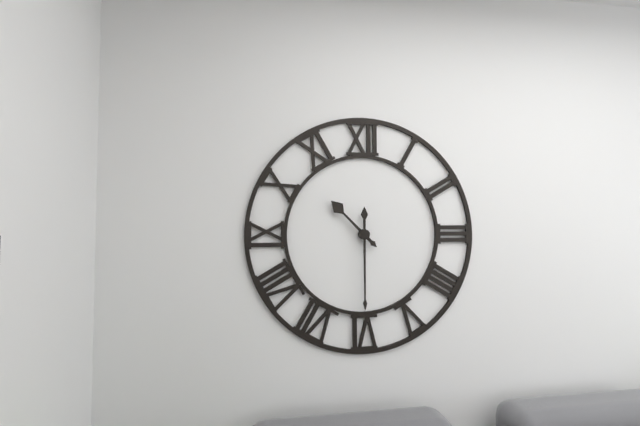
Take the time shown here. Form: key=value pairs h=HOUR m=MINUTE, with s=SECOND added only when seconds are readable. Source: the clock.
h=10 m=30
